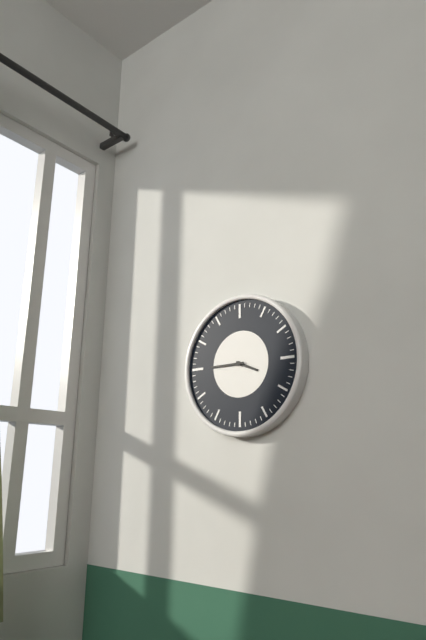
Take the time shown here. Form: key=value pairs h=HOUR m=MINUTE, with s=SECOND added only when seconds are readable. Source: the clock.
h=3 m=45
